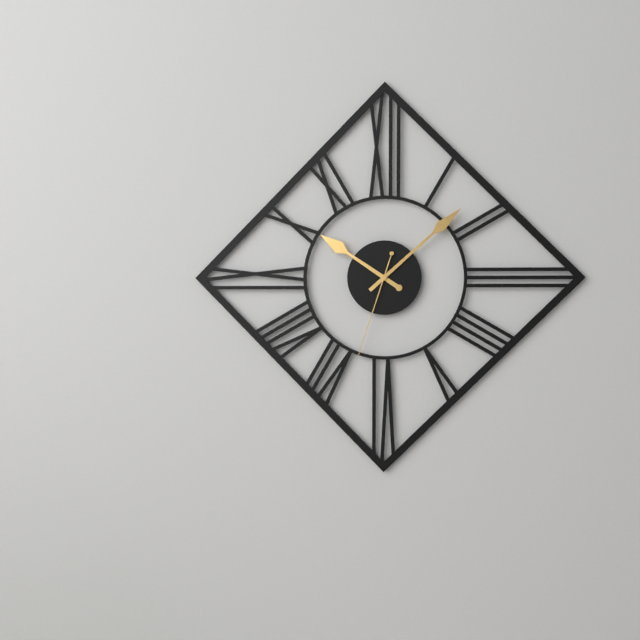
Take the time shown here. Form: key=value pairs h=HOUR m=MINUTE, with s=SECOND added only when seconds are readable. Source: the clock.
h=10 m=8 s=33
